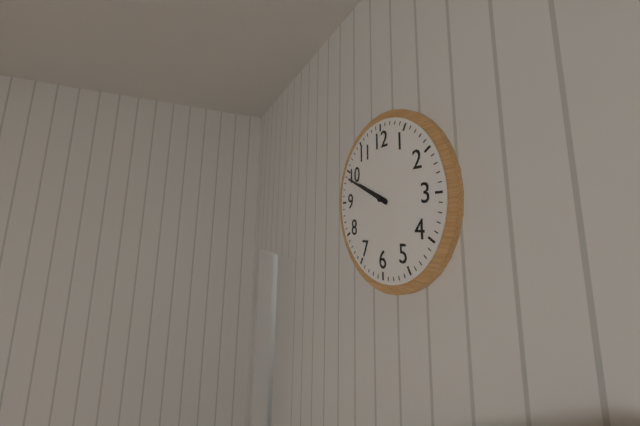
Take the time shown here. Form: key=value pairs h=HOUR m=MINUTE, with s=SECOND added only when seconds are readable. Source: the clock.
h=9 m=49
